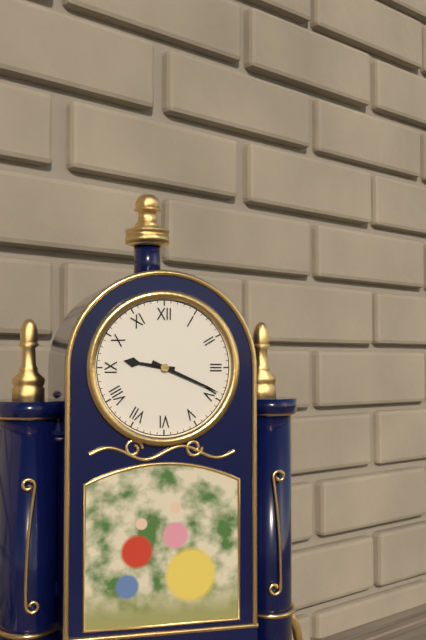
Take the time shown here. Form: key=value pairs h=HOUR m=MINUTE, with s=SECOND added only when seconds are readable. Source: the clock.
h=9 m=19
